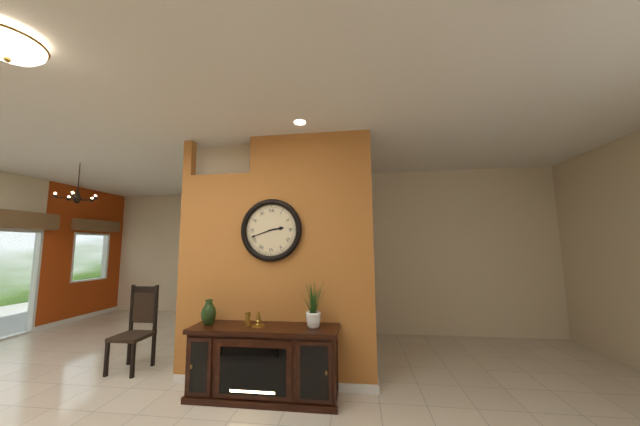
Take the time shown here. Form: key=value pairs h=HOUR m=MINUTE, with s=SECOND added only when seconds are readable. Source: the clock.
h=2 m=42
